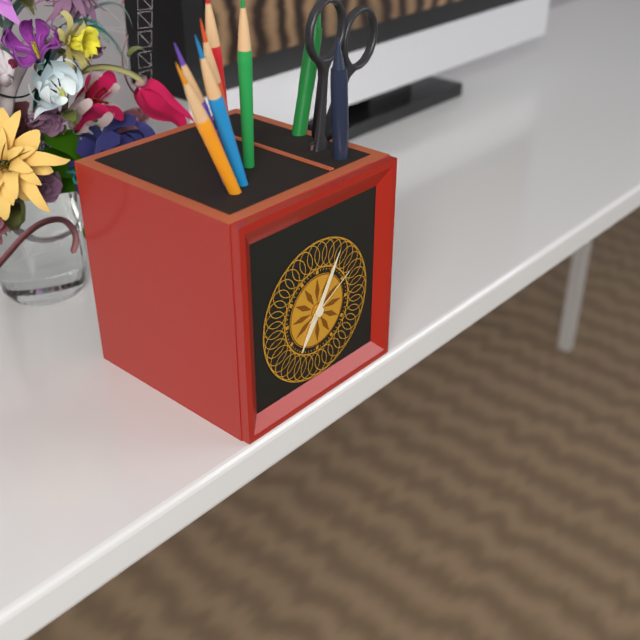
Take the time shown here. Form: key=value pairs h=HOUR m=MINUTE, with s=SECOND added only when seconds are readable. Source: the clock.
h=7 m=5 s=10
